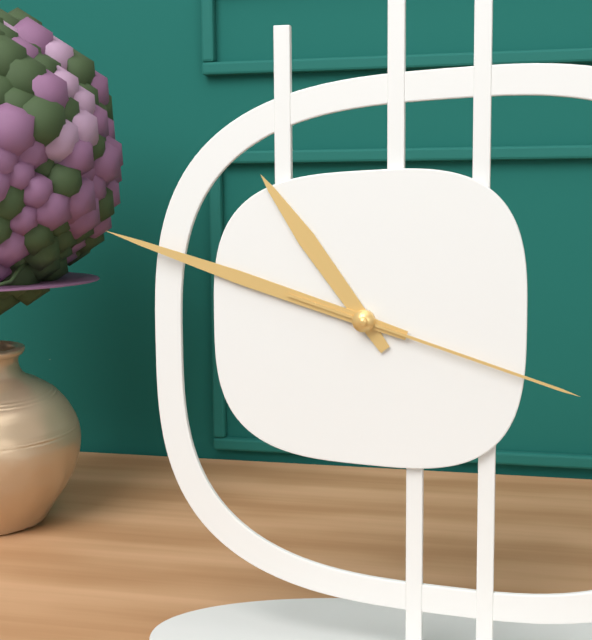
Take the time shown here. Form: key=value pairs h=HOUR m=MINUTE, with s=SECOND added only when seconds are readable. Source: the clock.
h=10 m=48 s=18
